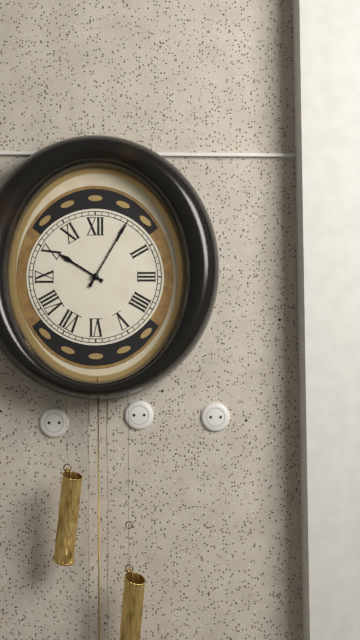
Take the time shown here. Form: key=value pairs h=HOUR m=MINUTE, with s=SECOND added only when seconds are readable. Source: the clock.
h=10 m=5
